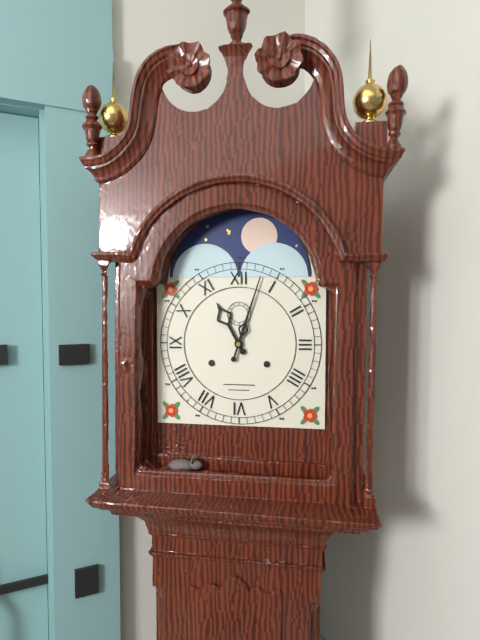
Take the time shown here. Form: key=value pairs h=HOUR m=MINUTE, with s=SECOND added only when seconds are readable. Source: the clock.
h=11 m=3
